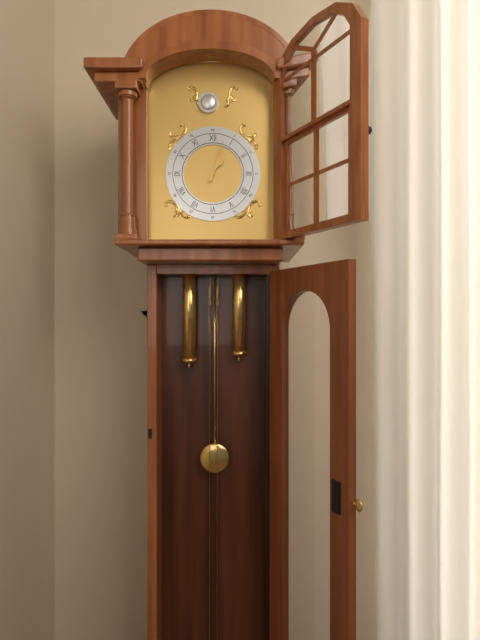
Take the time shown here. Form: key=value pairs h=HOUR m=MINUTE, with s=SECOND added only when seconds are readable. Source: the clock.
h=1 m=3
